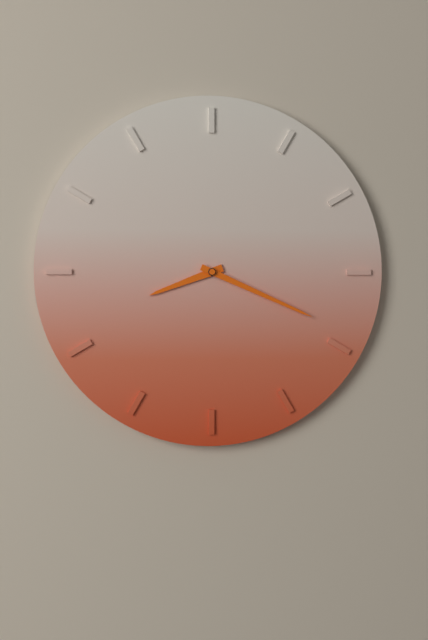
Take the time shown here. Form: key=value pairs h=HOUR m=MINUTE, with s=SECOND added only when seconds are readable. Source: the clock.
h=8 m=19
